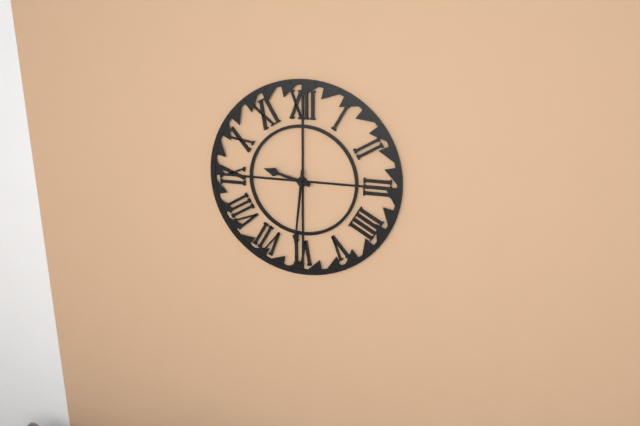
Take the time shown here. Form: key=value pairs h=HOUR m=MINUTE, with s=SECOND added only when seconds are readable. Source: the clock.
h=9 m=31
